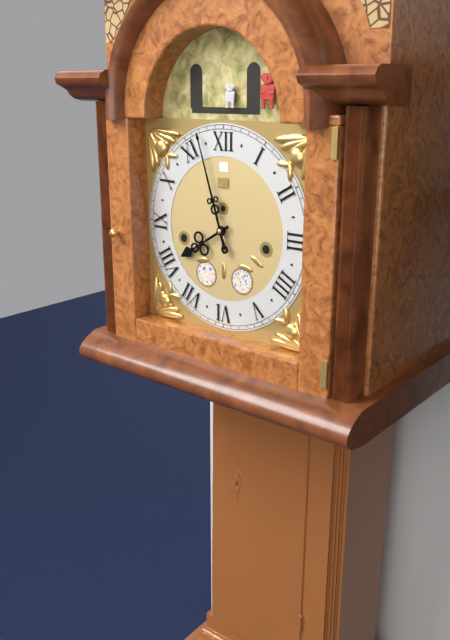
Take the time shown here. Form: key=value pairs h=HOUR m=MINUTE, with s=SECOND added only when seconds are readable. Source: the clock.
h=7 m=57
